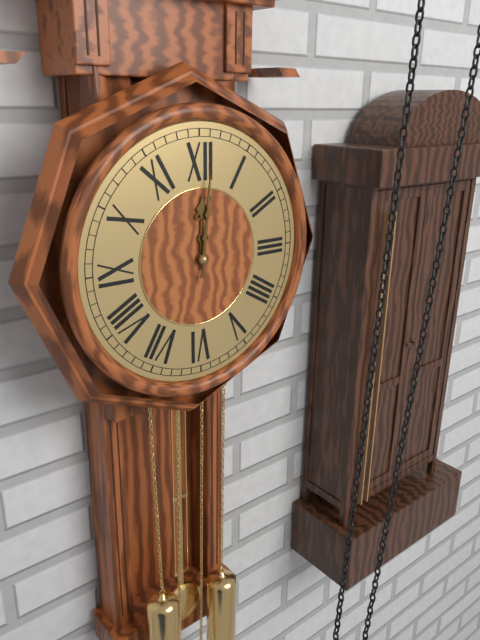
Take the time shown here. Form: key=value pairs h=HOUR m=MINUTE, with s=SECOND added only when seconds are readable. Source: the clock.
h=12 m=1
